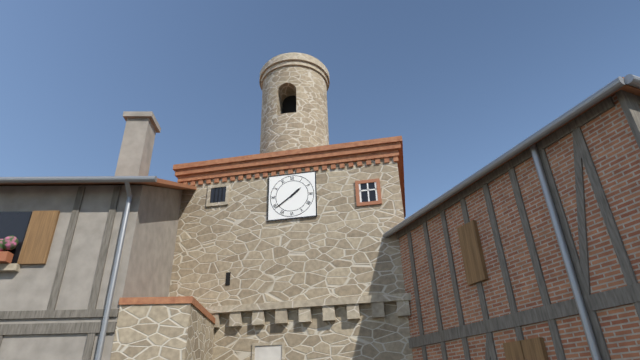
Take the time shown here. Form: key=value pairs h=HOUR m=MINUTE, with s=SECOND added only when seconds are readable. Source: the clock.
h=1 m=39
